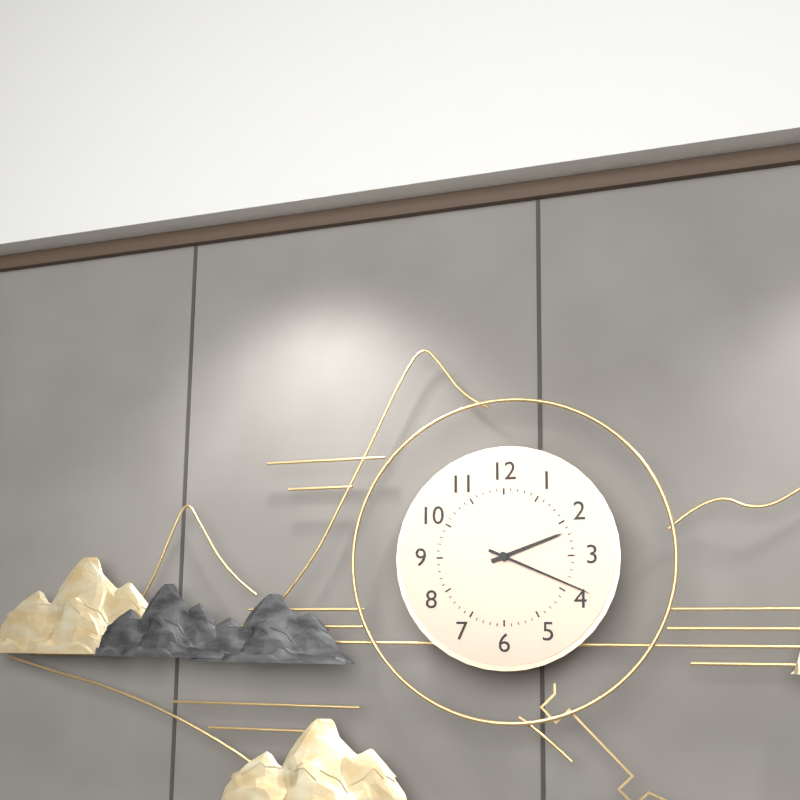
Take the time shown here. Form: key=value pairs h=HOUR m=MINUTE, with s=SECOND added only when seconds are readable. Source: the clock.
h=2 m=19
